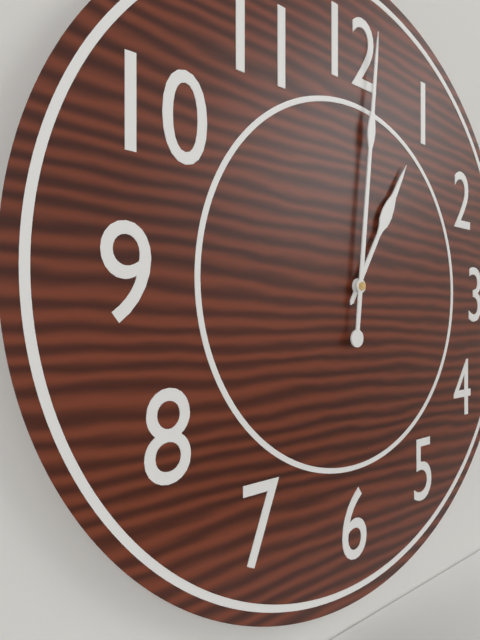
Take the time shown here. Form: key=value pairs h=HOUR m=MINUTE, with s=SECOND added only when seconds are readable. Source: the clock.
h=1 m=1
